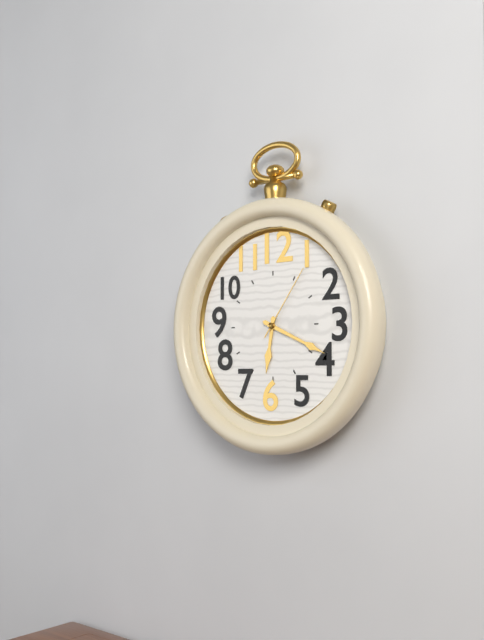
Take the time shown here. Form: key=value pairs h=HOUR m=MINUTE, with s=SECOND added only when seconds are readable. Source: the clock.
h=6 m=19 s=6
